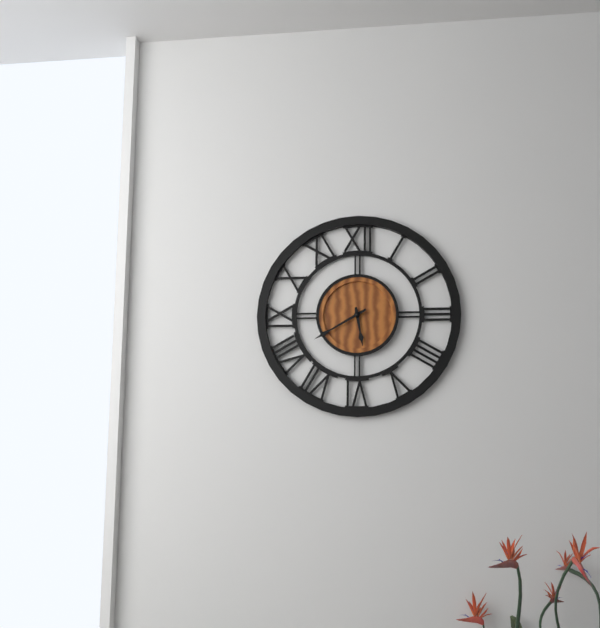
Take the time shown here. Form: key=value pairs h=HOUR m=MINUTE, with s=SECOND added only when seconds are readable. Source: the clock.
h=5 m=40
